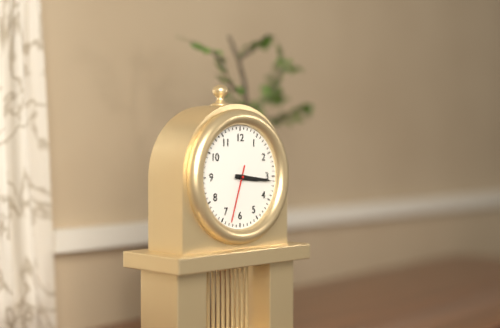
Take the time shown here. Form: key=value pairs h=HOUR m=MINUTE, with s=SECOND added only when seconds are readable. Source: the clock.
h=3 m=16 s=33
